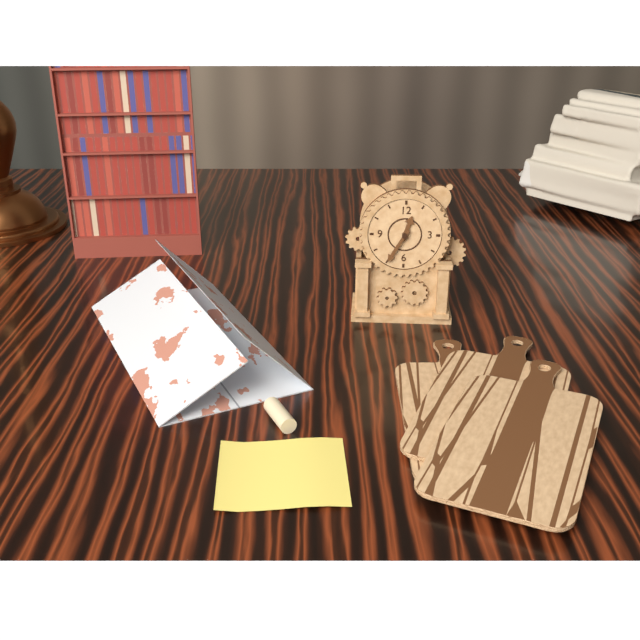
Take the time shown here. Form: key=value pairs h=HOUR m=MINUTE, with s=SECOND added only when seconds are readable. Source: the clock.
h=12 m=35
